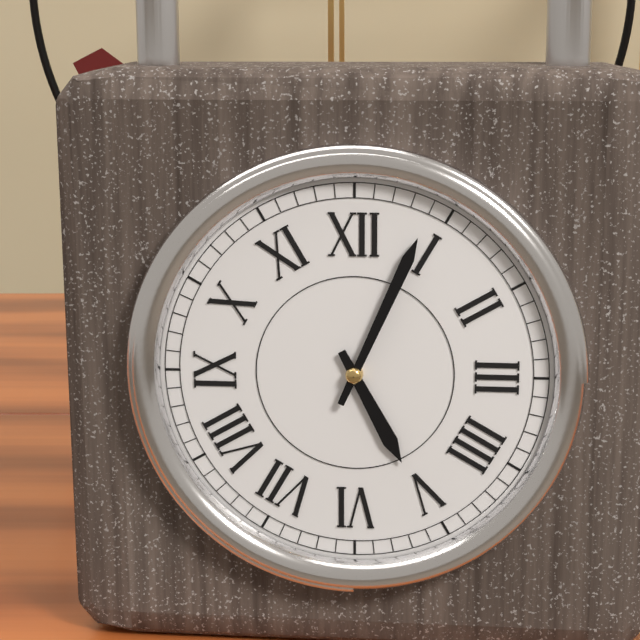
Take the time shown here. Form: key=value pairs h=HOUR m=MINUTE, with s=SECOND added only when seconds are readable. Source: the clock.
h=5 m=4
